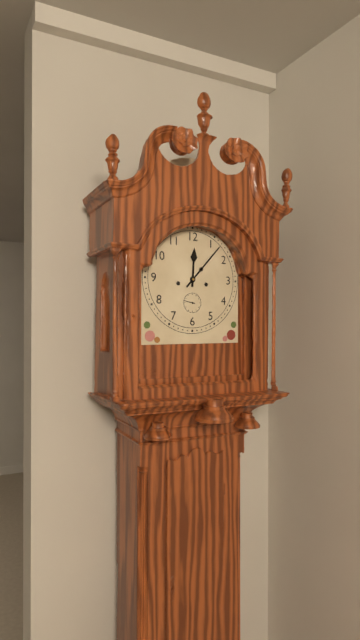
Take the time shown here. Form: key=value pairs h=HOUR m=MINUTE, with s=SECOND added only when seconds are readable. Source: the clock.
h=12 m=7
